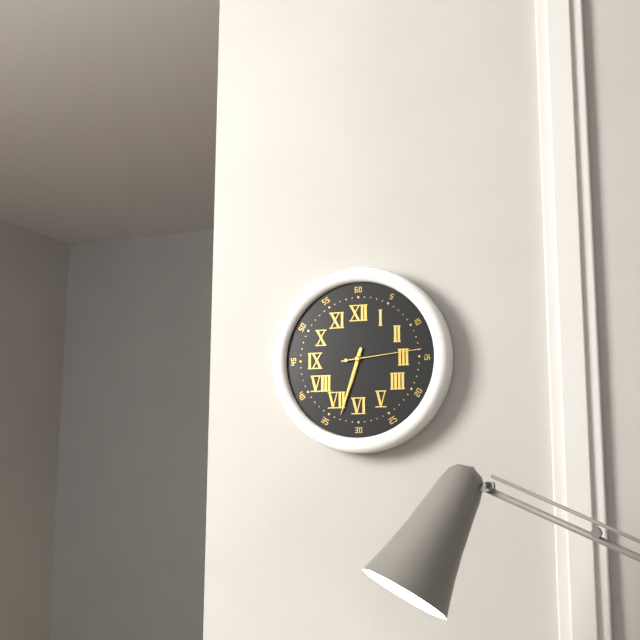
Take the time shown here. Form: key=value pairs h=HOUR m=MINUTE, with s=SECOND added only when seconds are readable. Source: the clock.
h=6 m=33 s=14
